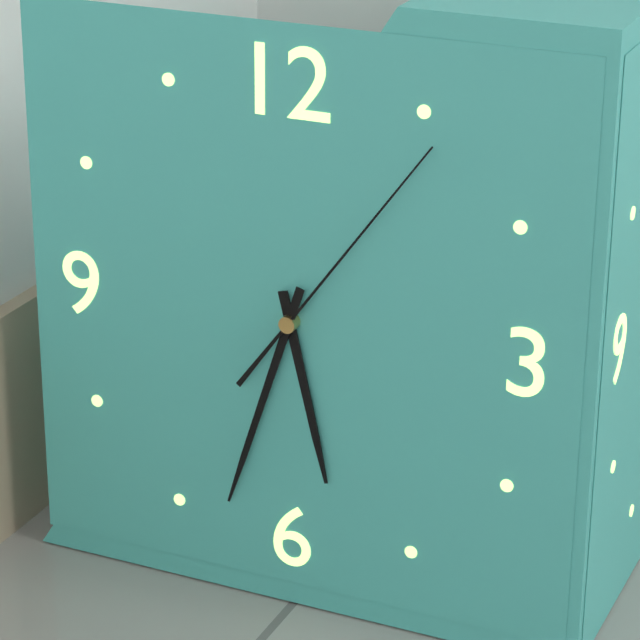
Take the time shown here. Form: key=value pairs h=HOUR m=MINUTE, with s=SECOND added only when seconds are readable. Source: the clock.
h=5 m=33 s=6
